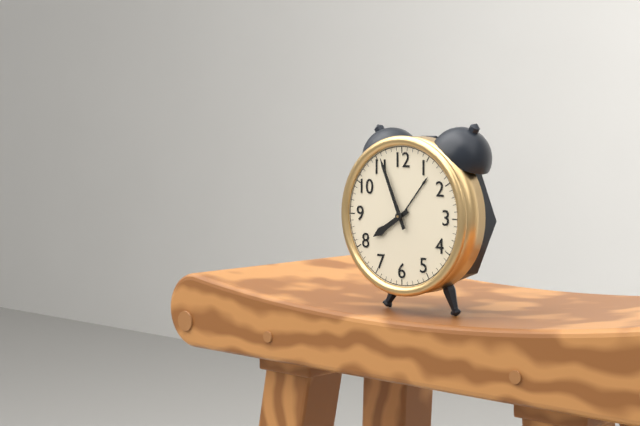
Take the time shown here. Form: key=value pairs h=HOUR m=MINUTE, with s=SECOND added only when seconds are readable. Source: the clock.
h=7 m=56
